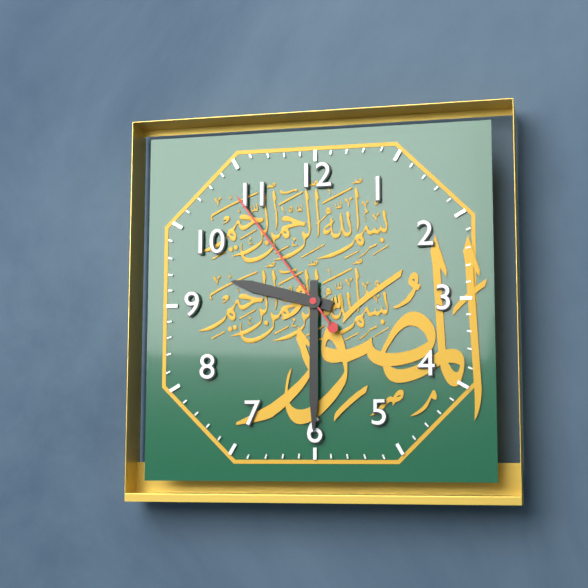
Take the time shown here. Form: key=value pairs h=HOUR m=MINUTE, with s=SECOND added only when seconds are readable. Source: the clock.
h=9 m=30 s=54
